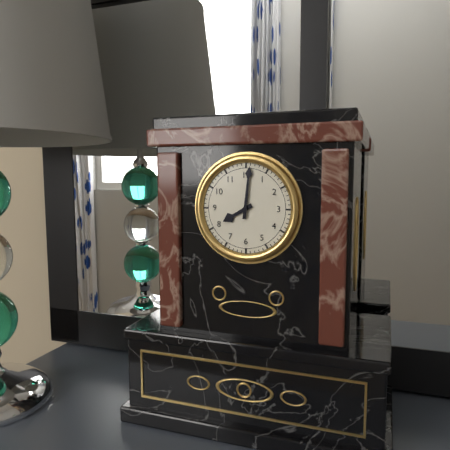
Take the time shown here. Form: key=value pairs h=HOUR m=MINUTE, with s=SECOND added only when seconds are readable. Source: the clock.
h=8 m=1
